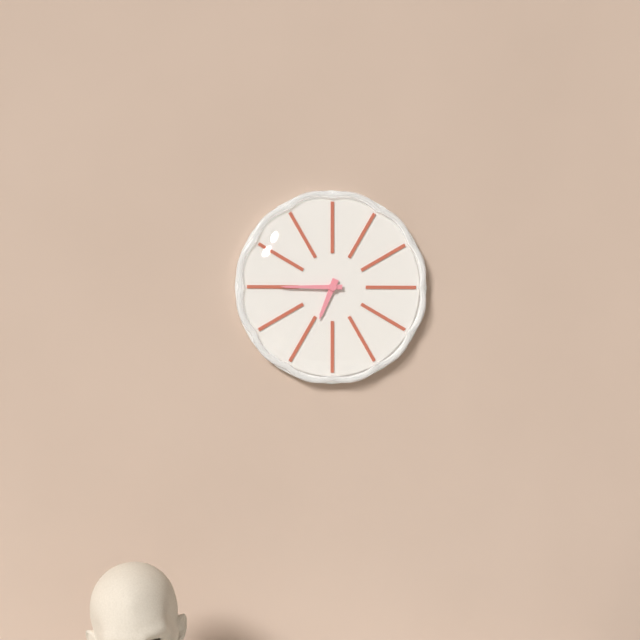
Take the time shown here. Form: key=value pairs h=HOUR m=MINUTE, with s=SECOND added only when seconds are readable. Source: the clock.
h=6 m=45
